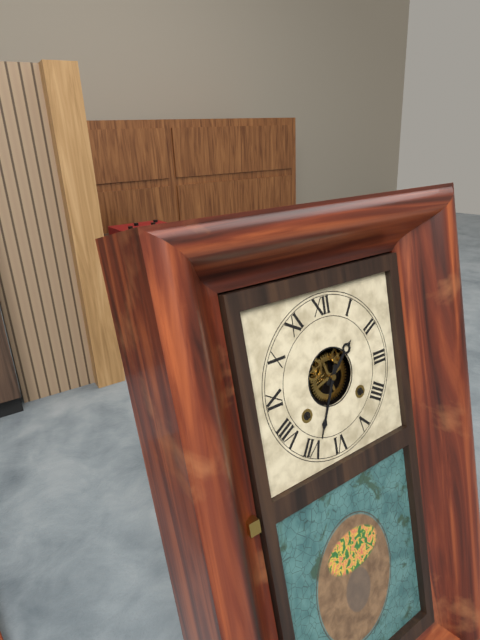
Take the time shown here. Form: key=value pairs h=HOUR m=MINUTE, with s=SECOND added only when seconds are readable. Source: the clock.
h=1 m=34
